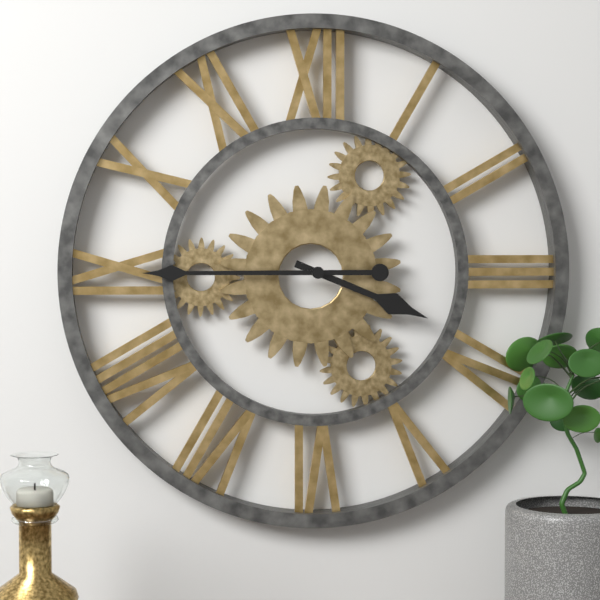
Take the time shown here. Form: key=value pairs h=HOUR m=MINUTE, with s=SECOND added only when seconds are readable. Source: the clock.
h=3 m=45
